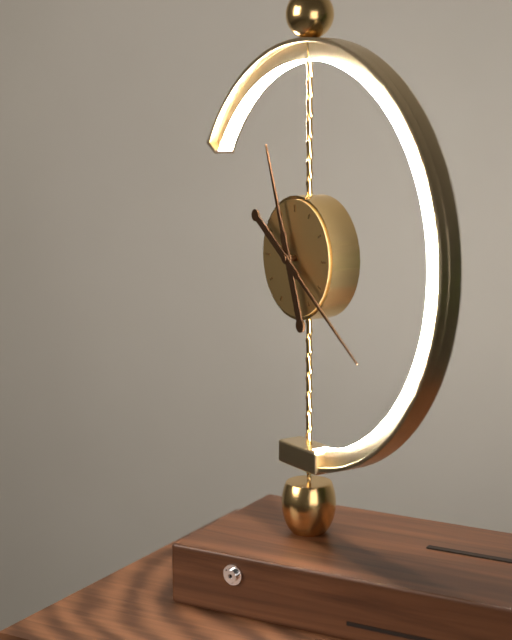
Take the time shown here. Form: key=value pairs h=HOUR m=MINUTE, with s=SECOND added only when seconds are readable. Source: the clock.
h=11 m=21
